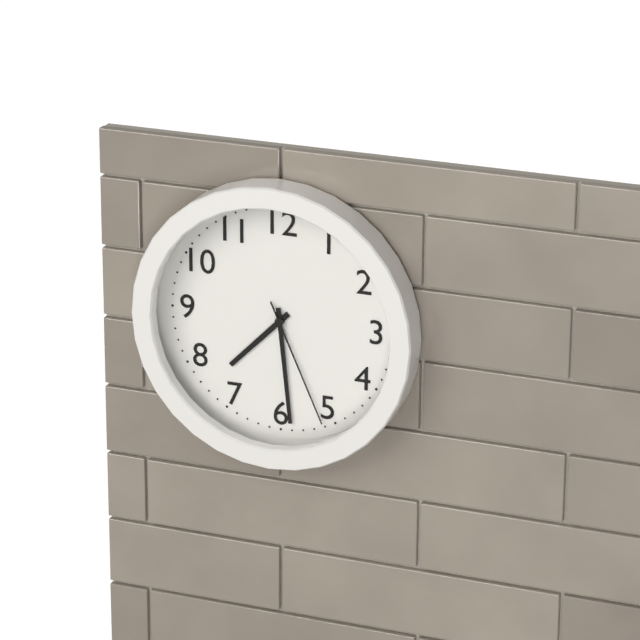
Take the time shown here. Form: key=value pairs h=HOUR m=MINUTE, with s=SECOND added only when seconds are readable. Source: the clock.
h=7 m=29 s=26
